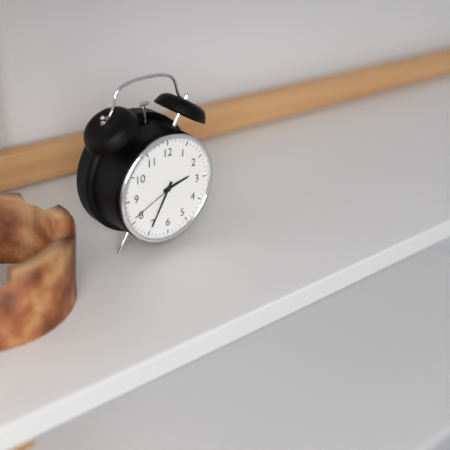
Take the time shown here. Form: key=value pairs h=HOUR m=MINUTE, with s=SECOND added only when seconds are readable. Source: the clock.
h=2 m=35 s=41
